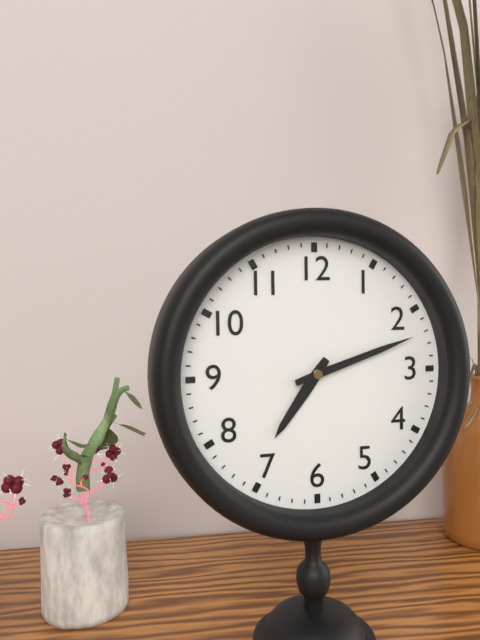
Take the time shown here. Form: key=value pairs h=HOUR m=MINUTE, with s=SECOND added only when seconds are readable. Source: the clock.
h=7 m=12
